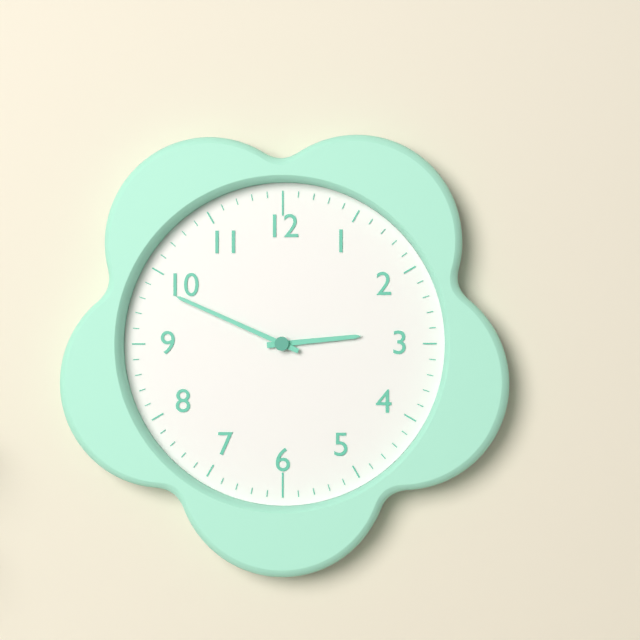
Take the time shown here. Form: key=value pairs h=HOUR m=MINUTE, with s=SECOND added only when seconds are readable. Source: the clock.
h=2 m=49
